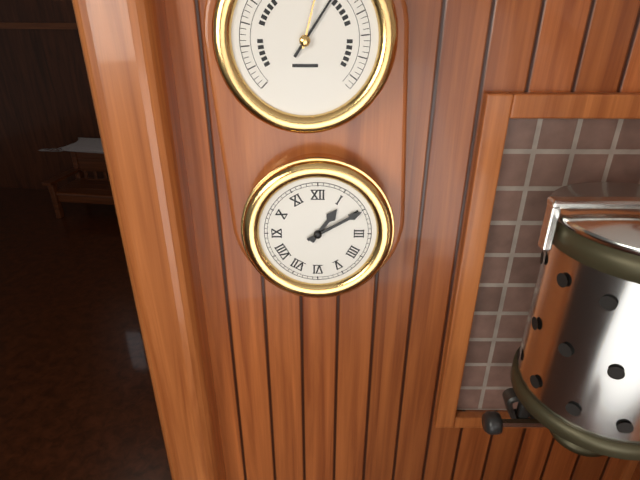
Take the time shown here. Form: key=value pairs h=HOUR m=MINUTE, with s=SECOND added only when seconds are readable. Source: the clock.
h=1 m=10
